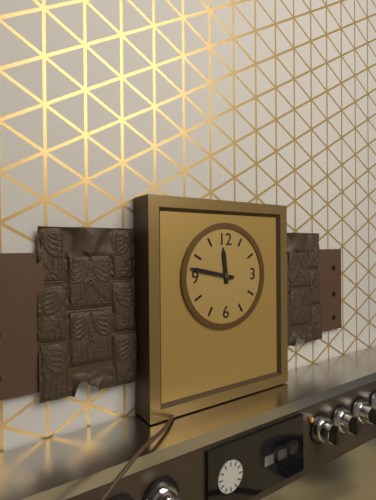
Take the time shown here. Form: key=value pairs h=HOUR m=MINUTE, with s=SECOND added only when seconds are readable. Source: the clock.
h=11 m=47
